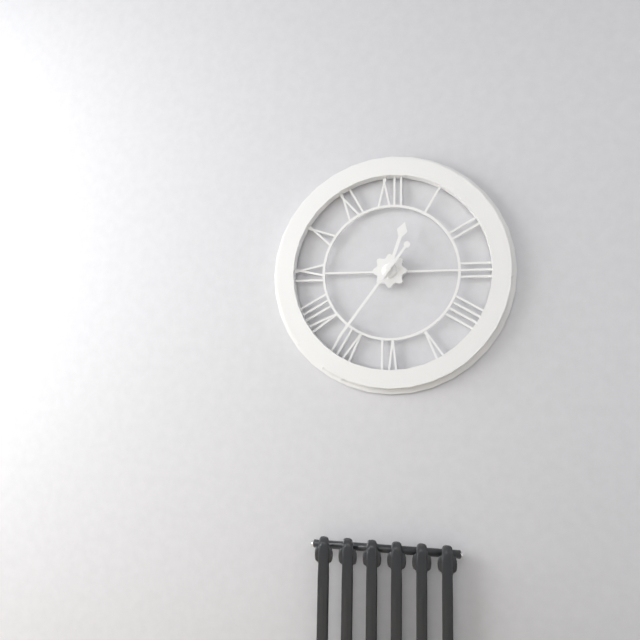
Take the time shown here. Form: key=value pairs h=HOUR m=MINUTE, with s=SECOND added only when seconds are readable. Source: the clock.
h=12 m=36
